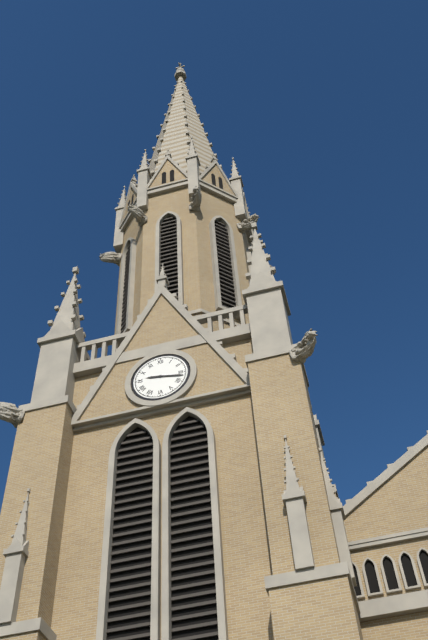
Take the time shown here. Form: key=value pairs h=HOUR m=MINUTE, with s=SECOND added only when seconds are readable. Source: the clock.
h=9 m=17
